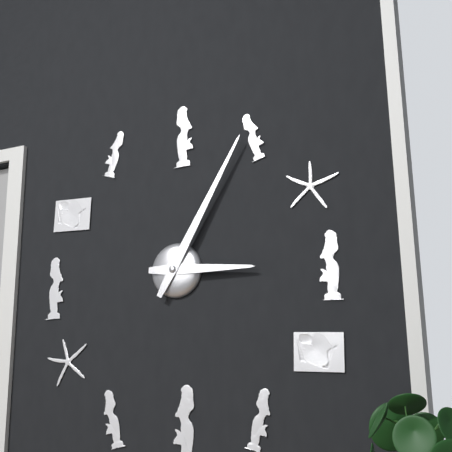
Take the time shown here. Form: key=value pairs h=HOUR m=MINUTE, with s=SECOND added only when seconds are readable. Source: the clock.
h=3 m=5
